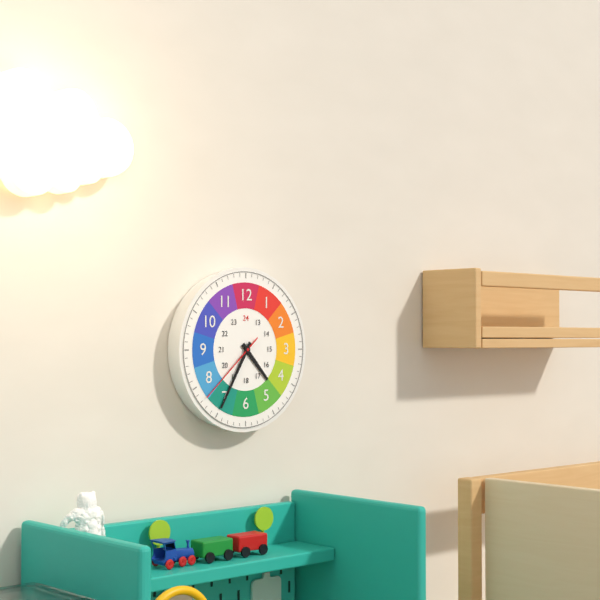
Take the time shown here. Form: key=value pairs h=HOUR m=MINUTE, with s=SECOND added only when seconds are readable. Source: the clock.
h=4 m=35 s=38
